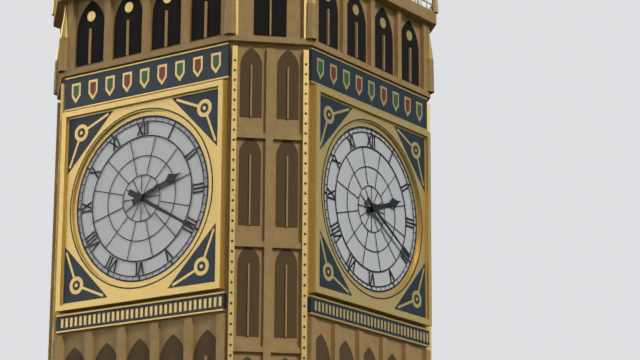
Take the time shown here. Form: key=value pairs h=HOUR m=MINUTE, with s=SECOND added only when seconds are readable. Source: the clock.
h=2 m=20
